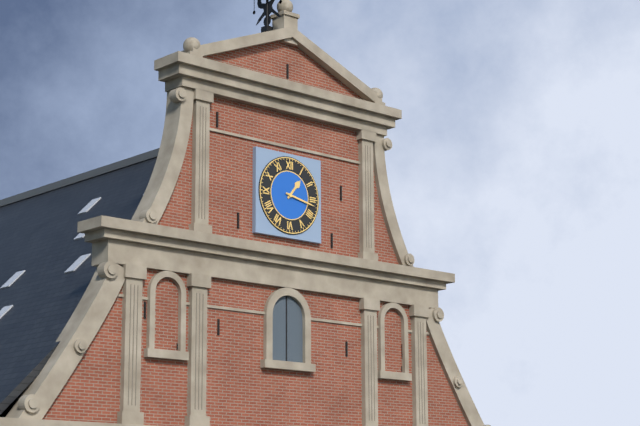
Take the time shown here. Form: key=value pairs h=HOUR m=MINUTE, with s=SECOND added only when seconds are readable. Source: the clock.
h=1 m=17
